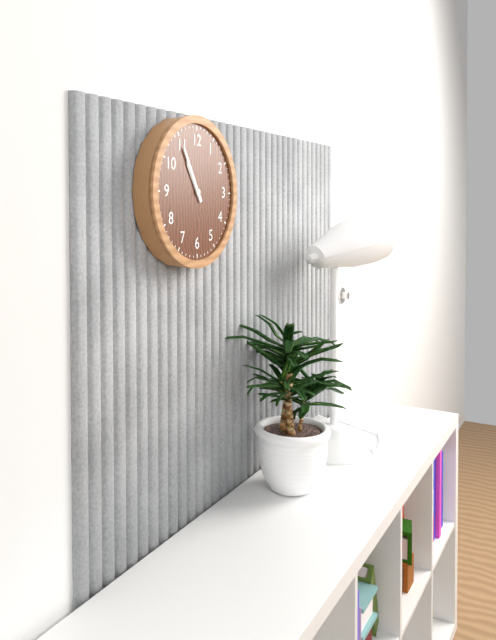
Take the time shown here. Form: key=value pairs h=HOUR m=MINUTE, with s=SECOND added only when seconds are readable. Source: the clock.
h=10 m=55
